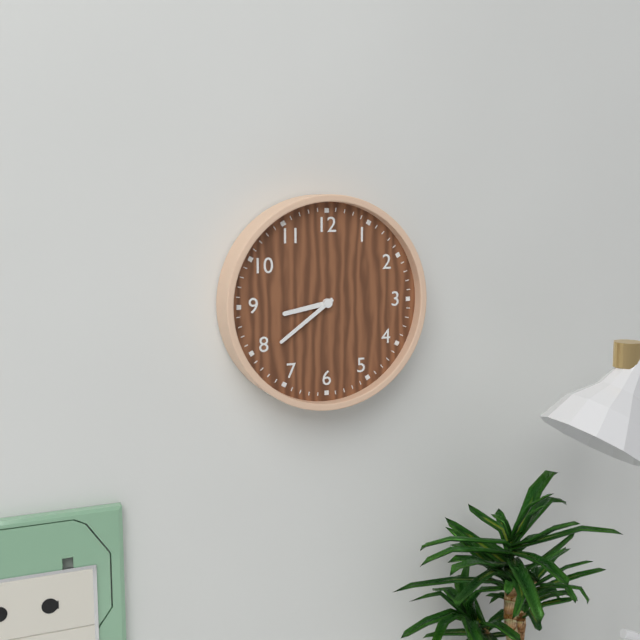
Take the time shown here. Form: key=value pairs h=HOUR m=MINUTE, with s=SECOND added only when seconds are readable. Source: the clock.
h=8 m=39
